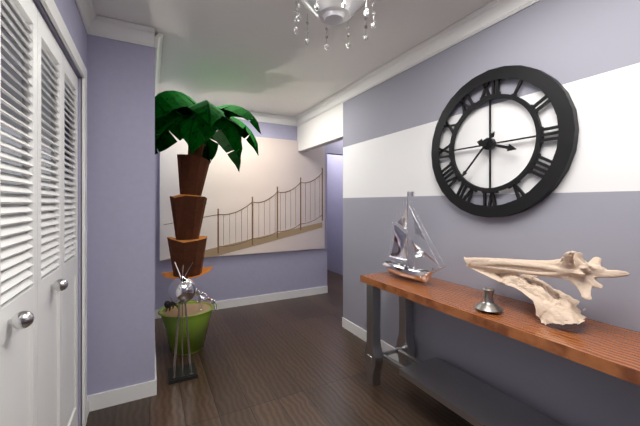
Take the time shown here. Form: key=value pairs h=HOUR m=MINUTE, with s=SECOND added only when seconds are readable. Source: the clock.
h=3 m=37
